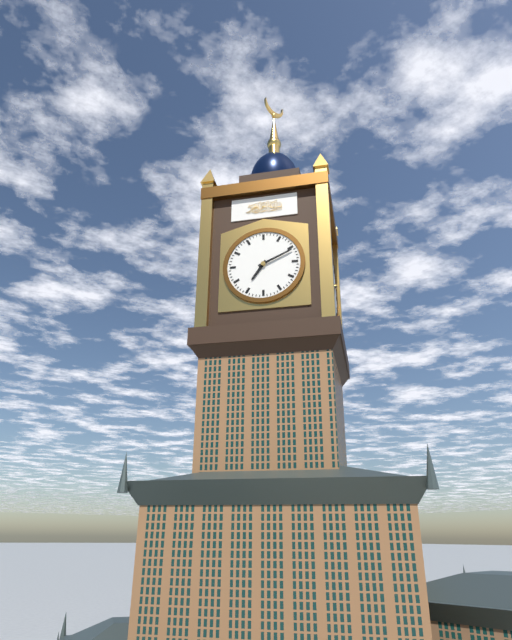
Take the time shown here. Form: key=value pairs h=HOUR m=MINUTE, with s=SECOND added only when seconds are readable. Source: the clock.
h=7 m=11
